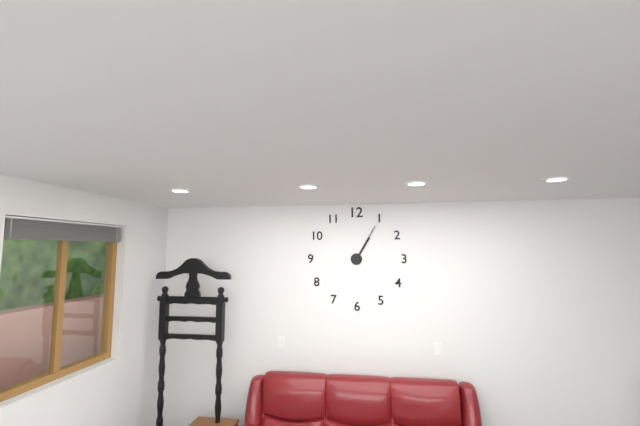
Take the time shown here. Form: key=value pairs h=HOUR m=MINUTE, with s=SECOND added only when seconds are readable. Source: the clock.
h=1 m=5
